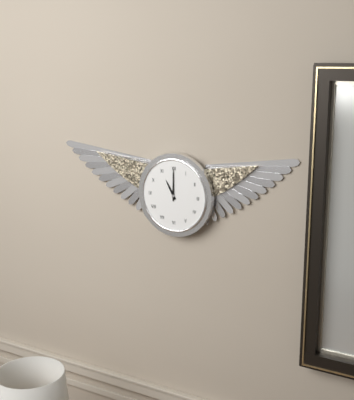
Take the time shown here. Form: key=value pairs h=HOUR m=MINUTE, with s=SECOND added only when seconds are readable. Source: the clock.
h=11 m=0
